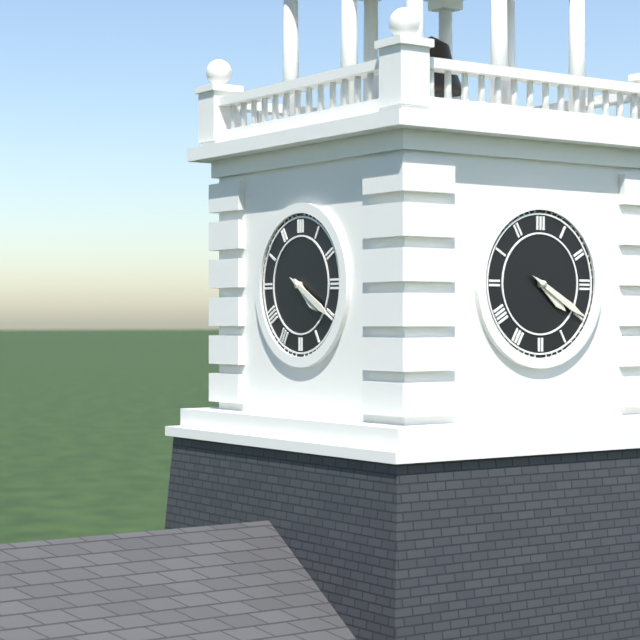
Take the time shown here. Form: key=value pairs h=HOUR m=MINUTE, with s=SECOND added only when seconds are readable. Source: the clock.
h=4 m=20
